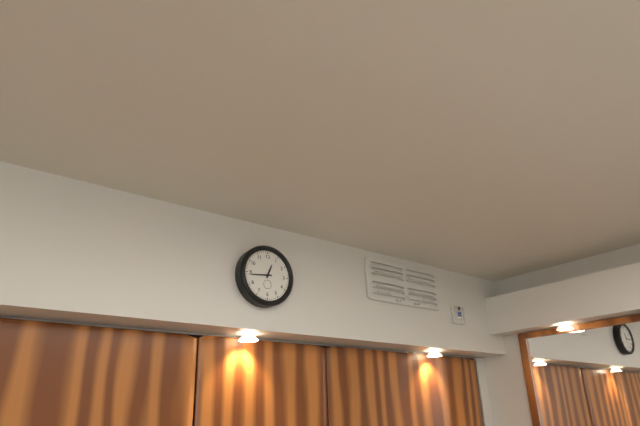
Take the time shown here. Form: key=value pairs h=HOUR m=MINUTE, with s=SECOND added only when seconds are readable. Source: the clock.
h=12 m=44
